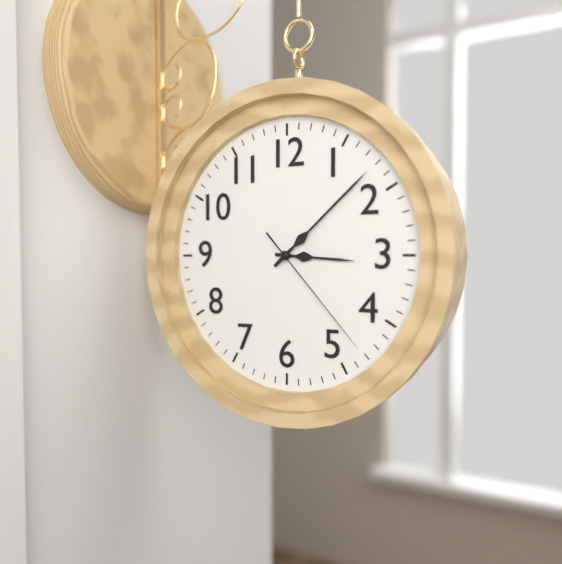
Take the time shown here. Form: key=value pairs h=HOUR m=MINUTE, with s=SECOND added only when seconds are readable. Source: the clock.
h=3 m=8 s=23
